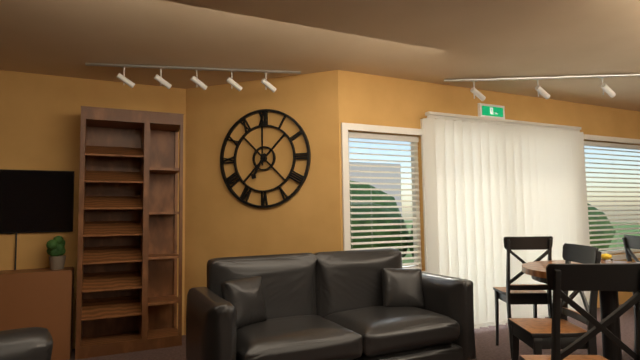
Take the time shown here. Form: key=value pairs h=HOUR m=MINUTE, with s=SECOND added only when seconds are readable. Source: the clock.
h=7 m=0
